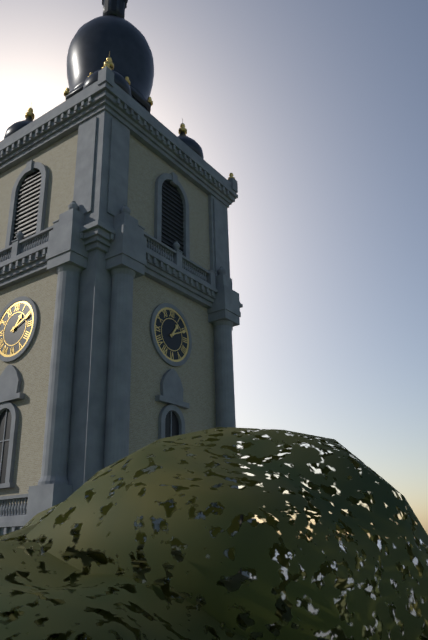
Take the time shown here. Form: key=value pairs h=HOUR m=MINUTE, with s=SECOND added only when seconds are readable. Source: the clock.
h=1 m=11
